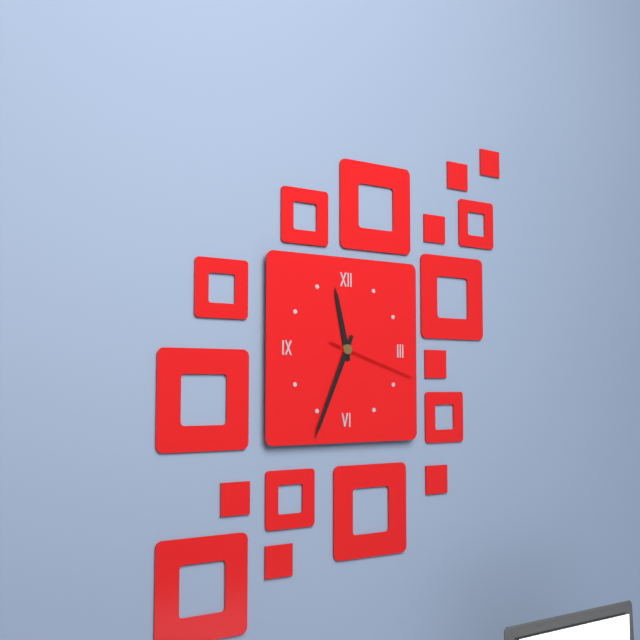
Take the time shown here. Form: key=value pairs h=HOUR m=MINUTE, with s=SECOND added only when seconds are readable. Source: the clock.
h=11 m=34 s=18
